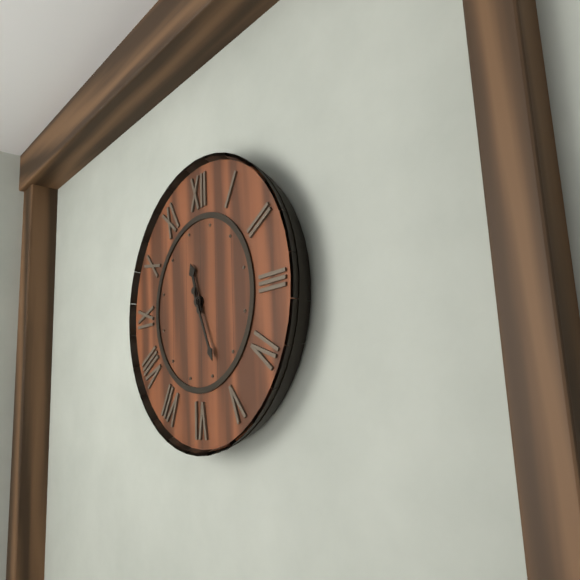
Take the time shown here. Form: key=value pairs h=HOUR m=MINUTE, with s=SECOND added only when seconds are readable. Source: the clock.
h=11 m=26
